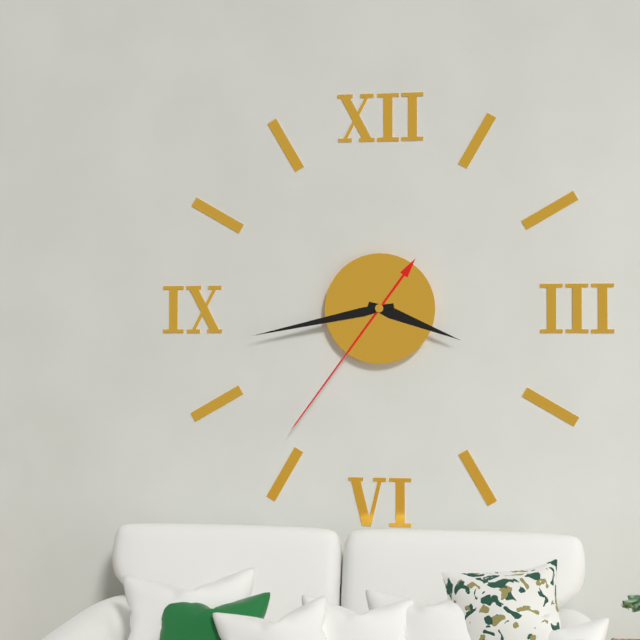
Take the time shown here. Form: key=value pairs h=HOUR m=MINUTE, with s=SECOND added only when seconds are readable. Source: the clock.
h=3 m=43 s=36
